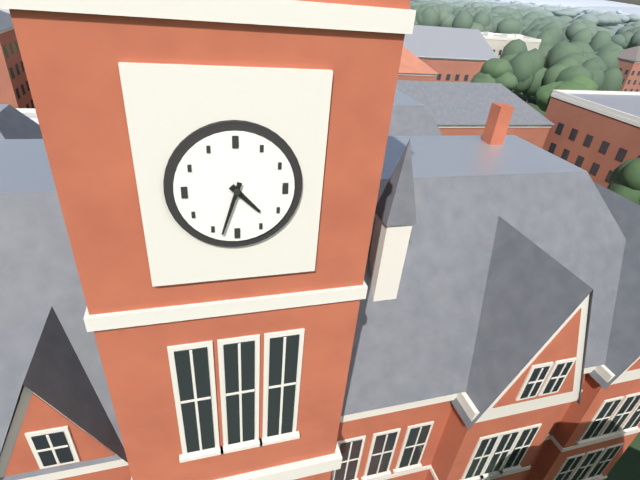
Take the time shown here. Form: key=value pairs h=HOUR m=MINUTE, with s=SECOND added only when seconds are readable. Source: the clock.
h=4 m=33
